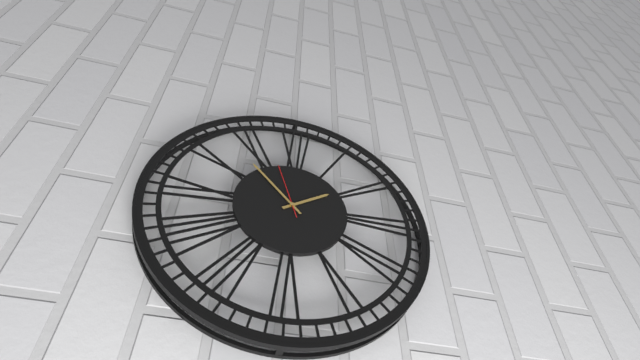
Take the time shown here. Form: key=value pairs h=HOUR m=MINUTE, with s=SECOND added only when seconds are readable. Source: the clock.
h=1 m=53 s=57
